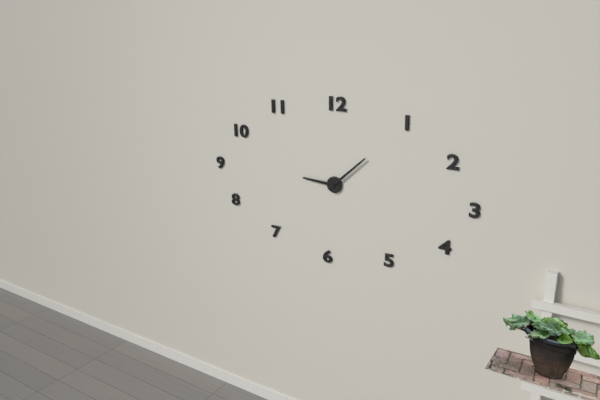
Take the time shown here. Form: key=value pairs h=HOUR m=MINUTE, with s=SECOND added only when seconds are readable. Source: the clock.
h=9 m=8
